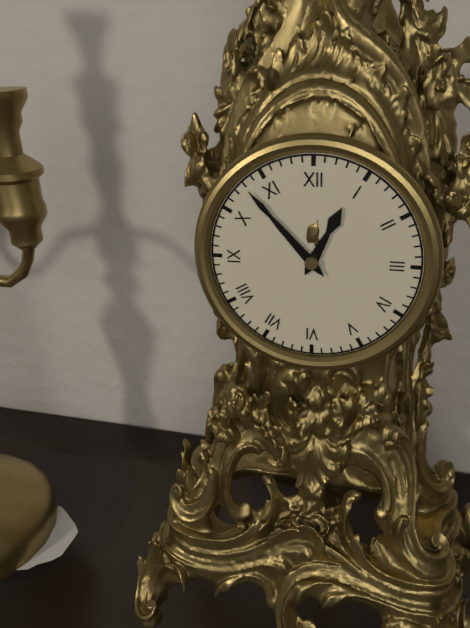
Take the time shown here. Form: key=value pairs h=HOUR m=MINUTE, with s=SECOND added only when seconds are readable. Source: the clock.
h=12 m=53
